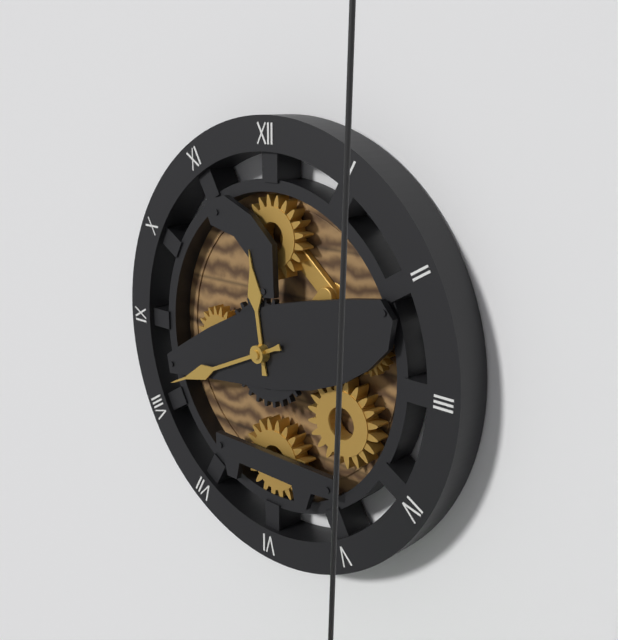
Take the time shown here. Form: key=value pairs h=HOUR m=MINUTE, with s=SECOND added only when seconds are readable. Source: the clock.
h=11 m=41
